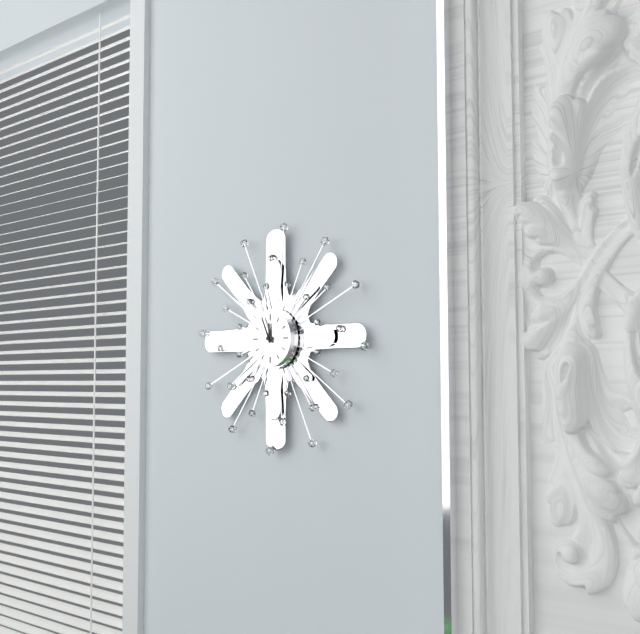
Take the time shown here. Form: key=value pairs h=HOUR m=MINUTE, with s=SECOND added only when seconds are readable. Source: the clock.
h=11 m=56
